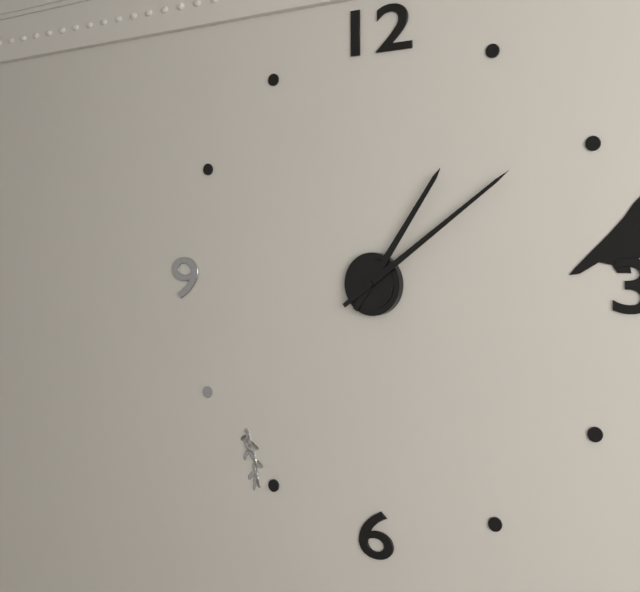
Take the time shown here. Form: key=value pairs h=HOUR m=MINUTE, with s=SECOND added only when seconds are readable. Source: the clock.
h=1 m=9
